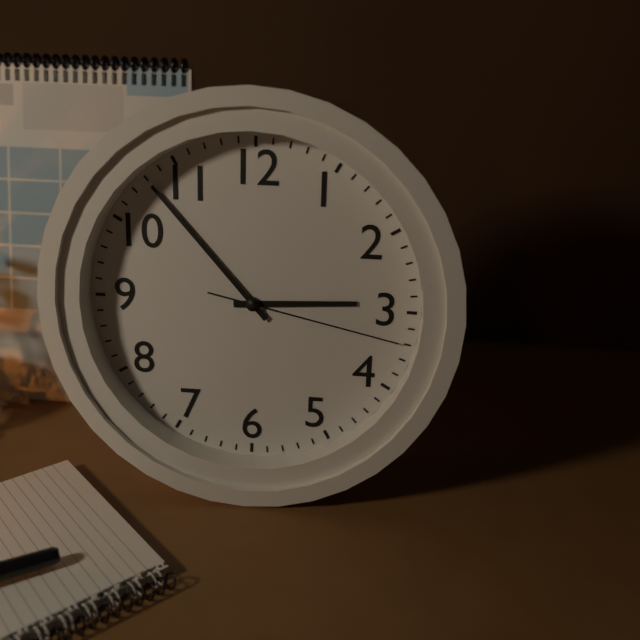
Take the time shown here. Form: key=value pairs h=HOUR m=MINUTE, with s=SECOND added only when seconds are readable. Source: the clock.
h=2 m=53 s=17
